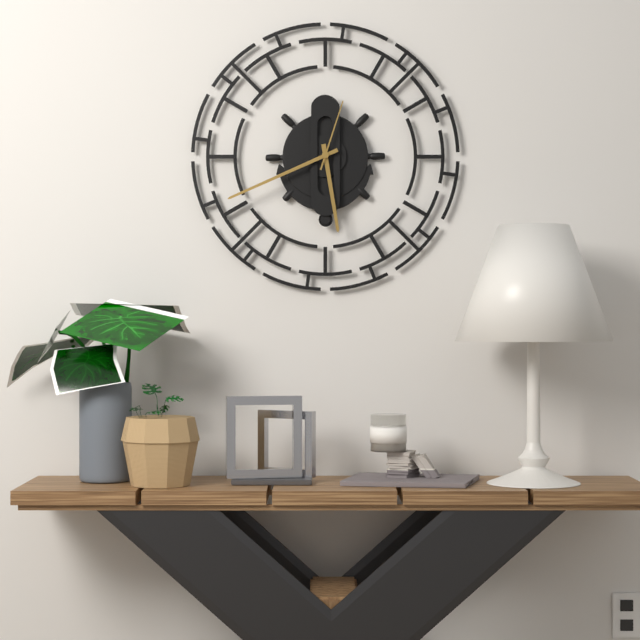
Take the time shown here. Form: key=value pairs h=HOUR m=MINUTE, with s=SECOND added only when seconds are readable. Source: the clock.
h=5 m=41 s=3
